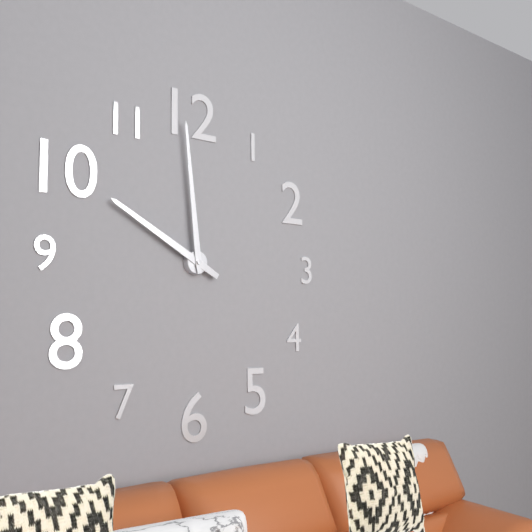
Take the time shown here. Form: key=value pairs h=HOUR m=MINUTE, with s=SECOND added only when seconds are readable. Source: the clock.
h=9 m=59
